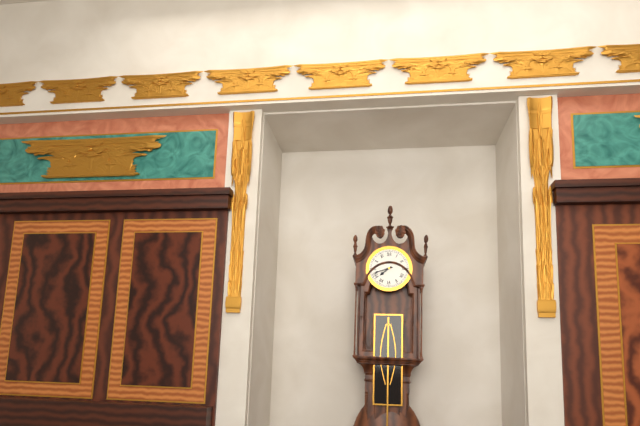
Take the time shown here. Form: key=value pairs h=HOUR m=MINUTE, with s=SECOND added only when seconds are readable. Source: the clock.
h=7 m=42
